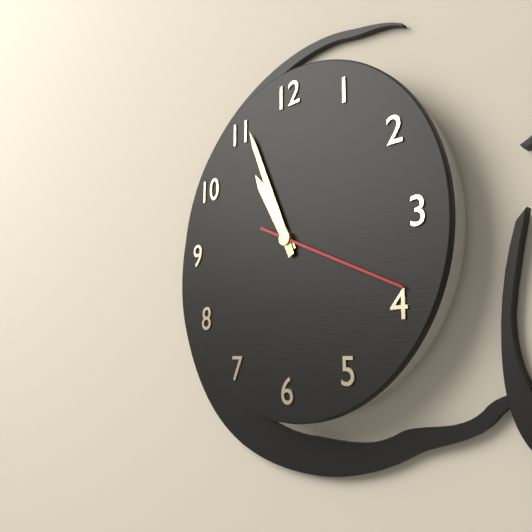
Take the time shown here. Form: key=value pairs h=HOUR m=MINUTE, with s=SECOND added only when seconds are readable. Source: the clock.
h=10 m=56 s=19
